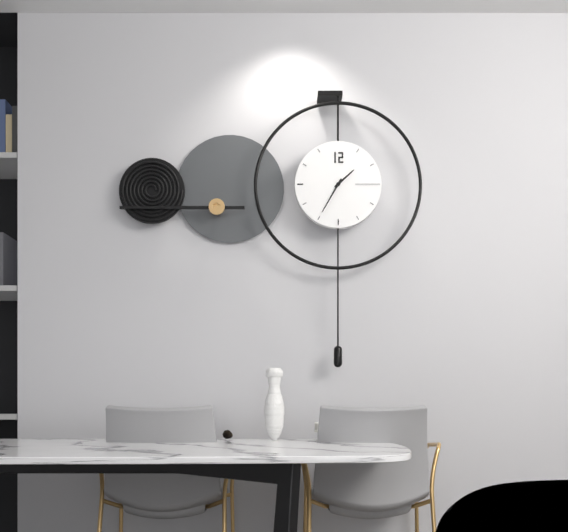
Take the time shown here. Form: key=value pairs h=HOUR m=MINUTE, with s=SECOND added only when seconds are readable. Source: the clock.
h=1 m=35
